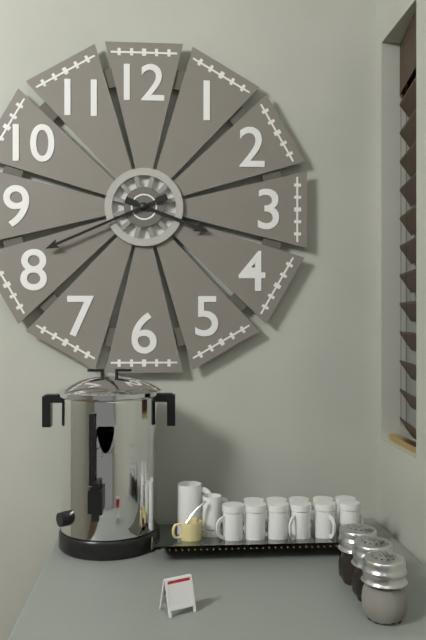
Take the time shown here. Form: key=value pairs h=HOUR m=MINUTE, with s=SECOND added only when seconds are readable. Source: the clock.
h=3 m=41
